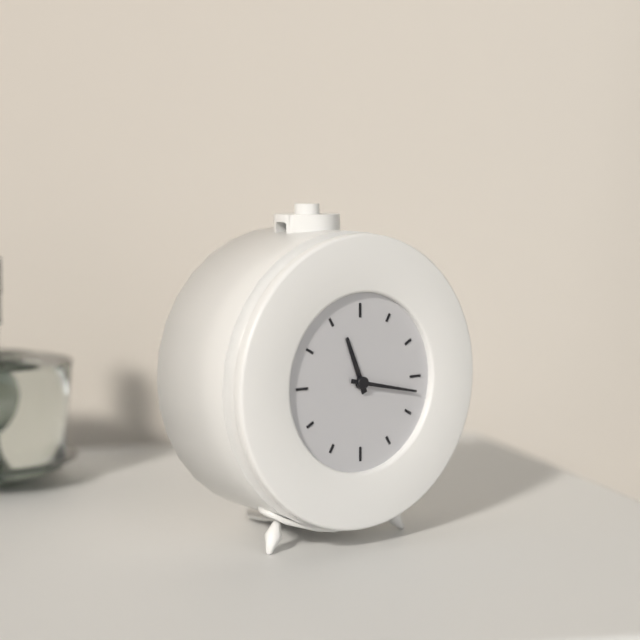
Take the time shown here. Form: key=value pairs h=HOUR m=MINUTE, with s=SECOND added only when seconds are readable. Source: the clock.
h=11 m=17
